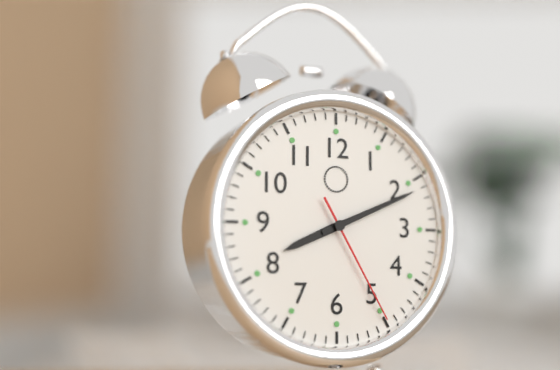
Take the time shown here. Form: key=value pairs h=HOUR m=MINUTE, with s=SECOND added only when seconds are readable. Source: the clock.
h=8 m=11 s=25
